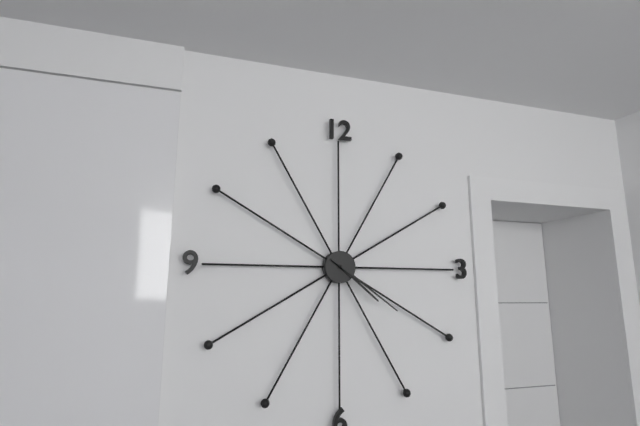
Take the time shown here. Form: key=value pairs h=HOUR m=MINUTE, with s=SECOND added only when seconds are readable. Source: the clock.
h=4 m=21
